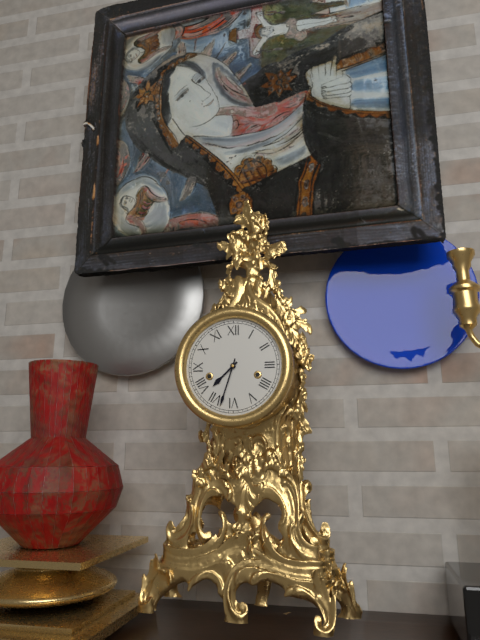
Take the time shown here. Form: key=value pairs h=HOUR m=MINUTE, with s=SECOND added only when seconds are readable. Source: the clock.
h=7 m=33
